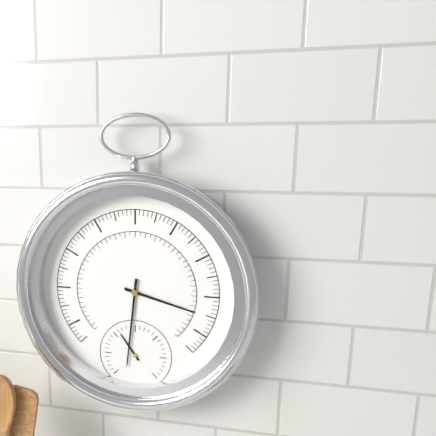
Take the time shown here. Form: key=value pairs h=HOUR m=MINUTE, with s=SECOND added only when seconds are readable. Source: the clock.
h=3 m=31
